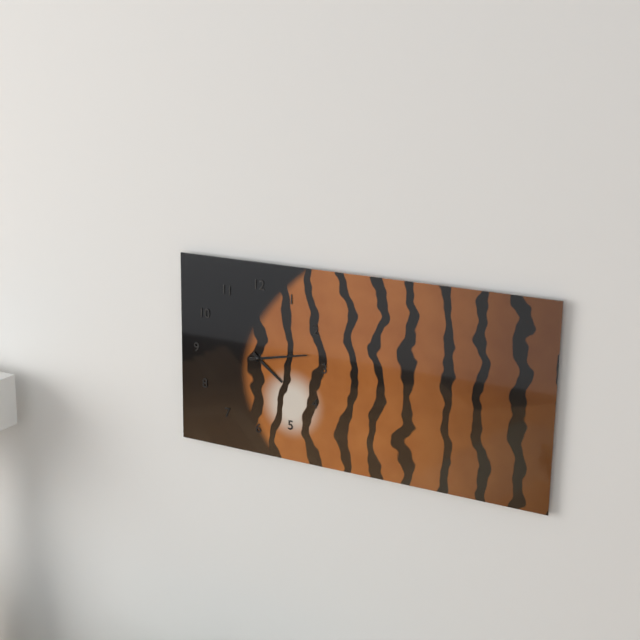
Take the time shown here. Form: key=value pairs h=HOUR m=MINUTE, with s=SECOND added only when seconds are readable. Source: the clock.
h=4 m=13
